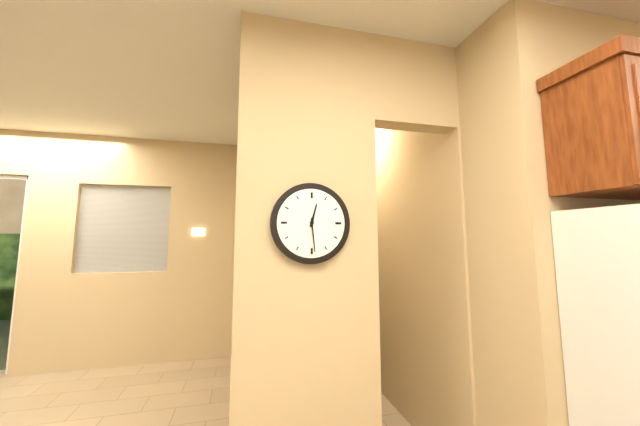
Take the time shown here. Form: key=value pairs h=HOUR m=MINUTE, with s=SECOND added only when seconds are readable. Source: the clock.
h=12 m=29
